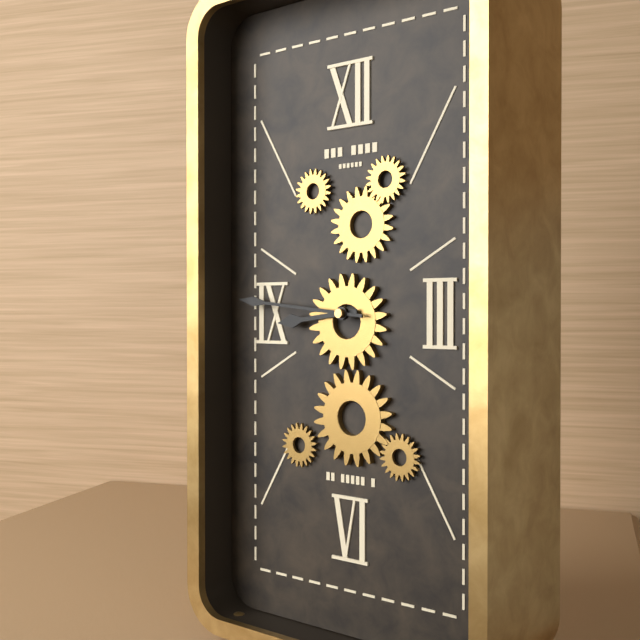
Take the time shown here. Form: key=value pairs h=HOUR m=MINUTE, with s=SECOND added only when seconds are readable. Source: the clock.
h=8 m=46
